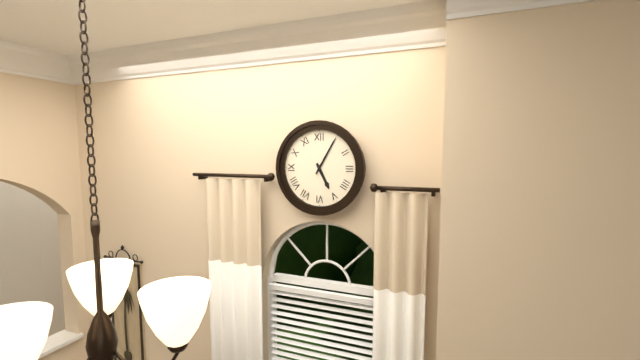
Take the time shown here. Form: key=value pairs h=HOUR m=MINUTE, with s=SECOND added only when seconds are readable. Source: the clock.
h=5 m=5
